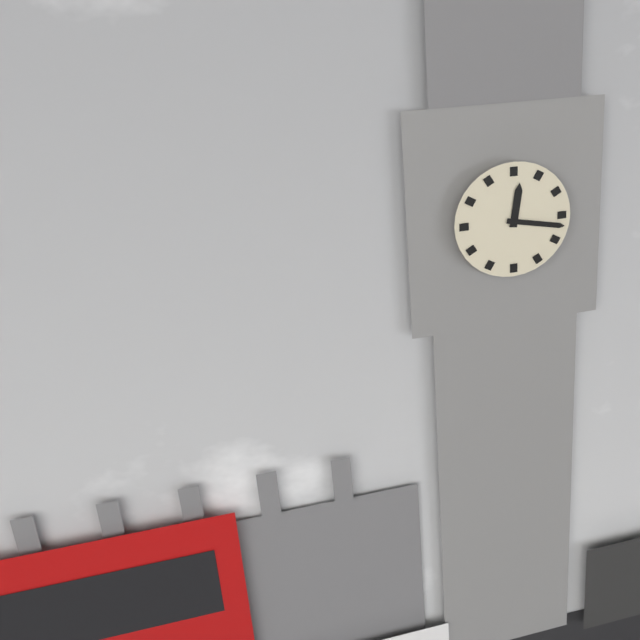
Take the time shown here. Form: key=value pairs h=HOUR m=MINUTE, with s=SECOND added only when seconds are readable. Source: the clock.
h=12 m=17
